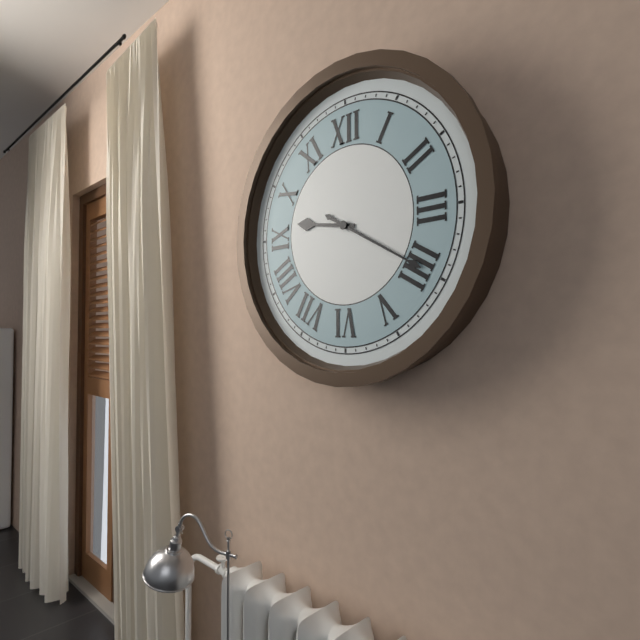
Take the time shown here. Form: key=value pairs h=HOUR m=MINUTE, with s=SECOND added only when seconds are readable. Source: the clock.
h=9 m=20
